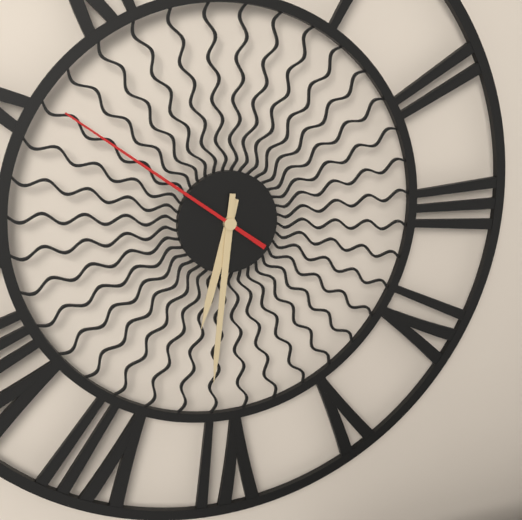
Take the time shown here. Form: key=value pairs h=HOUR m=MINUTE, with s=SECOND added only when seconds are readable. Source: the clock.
h=6 m=31 s=51
